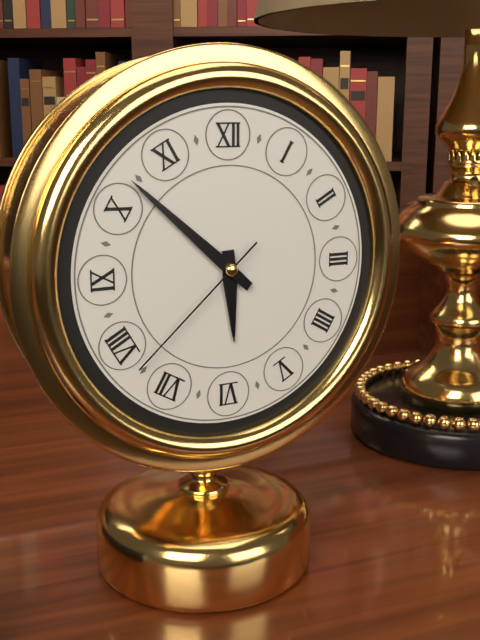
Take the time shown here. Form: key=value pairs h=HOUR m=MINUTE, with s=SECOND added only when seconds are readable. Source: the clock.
h=5 m=52 s=38
